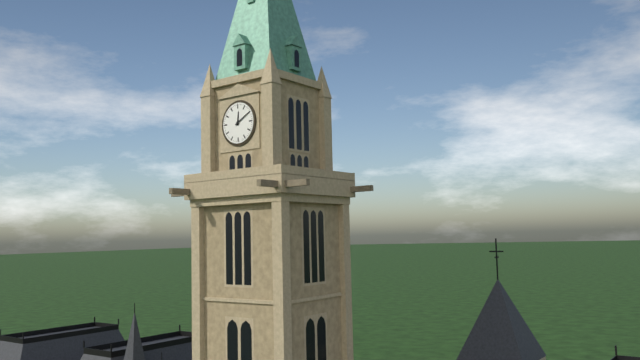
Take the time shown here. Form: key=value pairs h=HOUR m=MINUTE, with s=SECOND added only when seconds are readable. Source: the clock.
h=12 m=10
